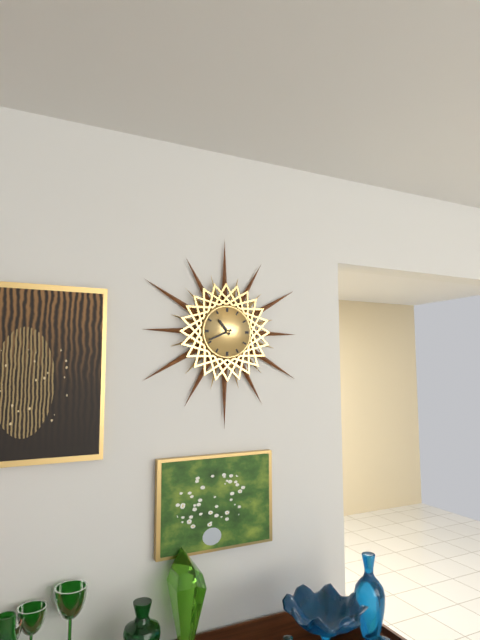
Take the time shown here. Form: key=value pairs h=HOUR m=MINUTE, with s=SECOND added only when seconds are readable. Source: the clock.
h=10 m=41
